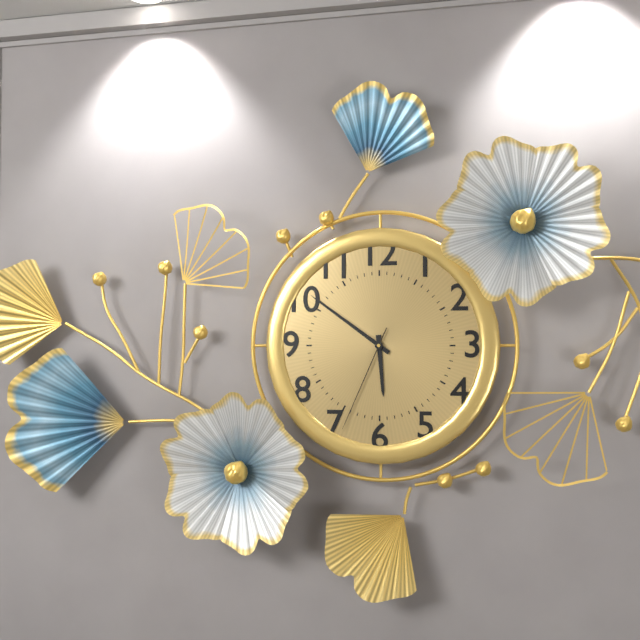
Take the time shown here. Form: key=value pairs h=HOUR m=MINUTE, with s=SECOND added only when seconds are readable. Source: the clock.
h=5 m=51 s=34
